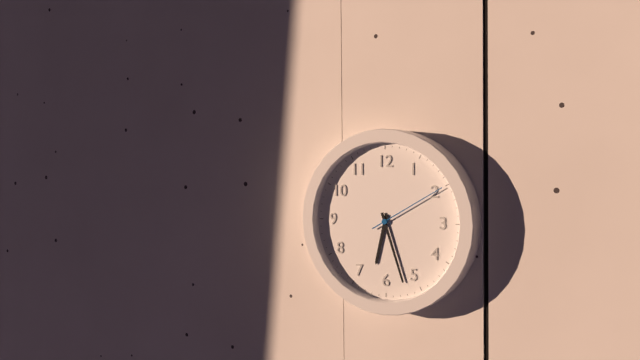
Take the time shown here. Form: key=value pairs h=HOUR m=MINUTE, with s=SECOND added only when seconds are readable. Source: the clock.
h=6 m=27 s=10
